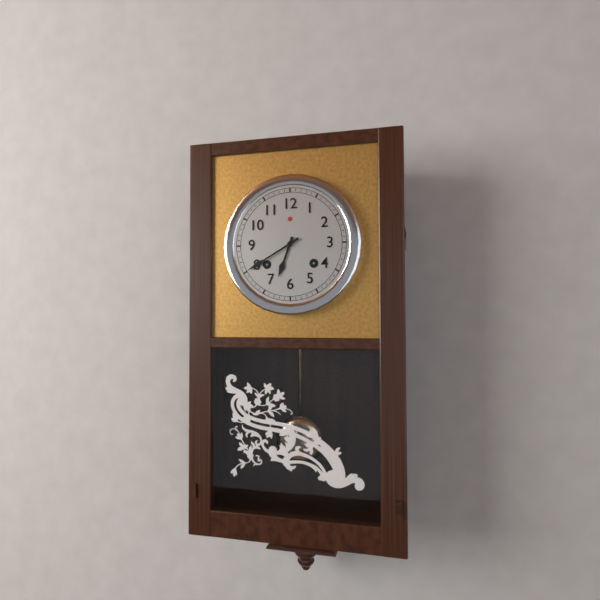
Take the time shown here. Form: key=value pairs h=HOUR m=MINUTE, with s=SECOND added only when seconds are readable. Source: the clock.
h=6 m=40
